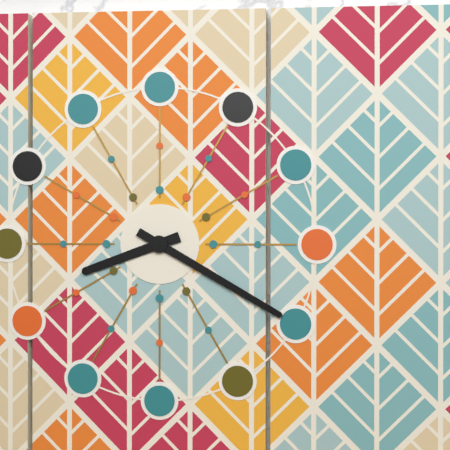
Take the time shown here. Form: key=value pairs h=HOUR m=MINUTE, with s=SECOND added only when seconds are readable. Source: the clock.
h=8 m=20
